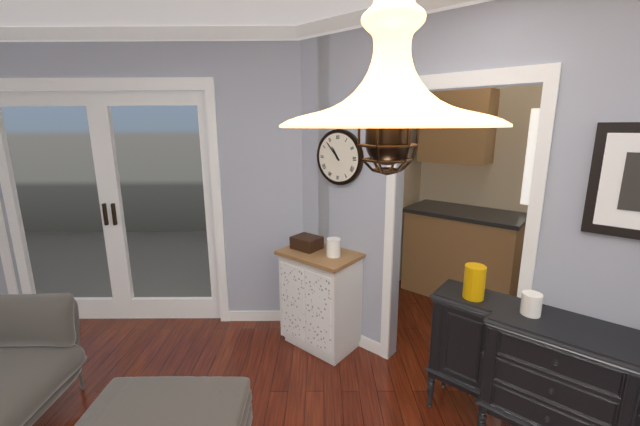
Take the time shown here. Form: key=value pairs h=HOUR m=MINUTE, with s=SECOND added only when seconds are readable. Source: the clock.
h=10 m=53
